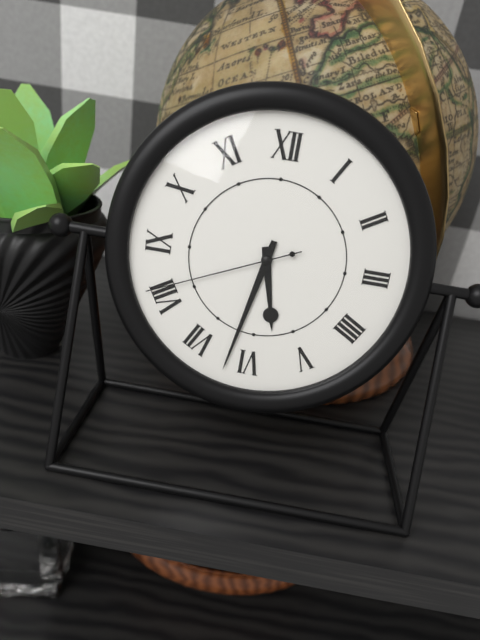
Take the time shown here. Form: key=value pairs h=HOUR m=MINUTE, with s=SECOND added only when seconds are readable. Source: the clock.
h=5 m=32 s=41
